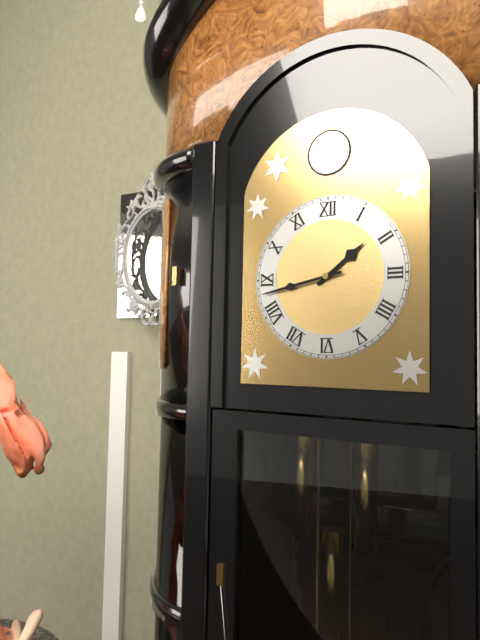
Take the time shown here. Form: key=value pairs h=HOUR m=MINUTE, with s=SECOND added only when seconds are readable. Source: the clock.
h=1 m=43
